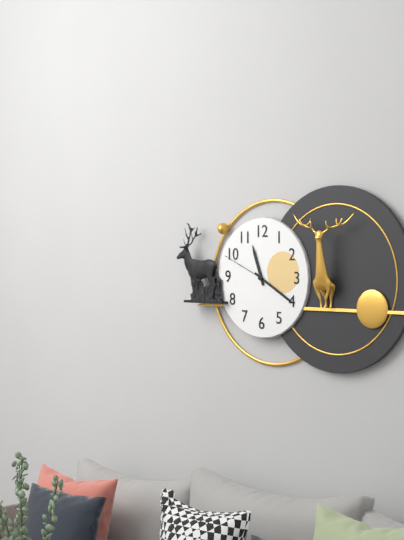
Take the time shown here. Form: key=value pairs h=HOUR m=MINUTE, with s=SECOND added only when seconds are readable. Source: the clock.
h=11 m=20 s=49
